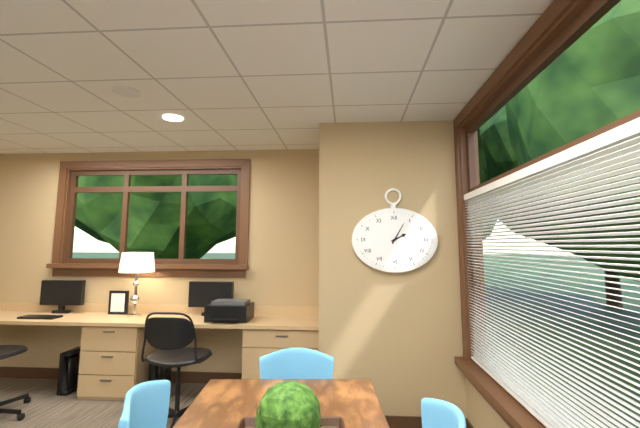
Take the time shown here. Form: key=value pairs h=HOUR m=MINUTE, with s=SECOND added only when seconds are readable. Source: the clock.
h=2 m=5
